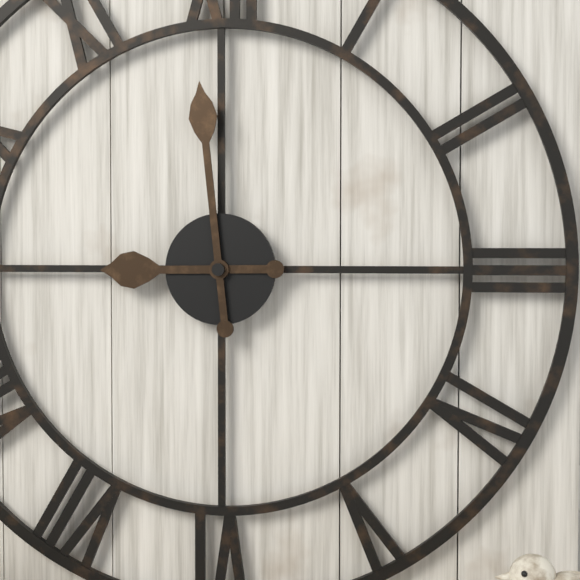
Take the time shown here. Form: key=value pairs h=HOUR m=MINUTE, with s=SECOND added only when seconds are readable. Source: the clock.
h=8 m=59
